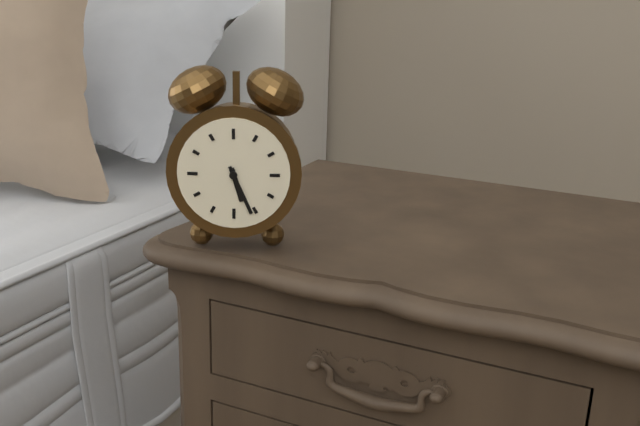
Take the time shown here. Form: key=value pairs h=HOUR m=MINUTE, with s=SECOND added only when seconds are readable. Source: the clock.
h=5 m=26
